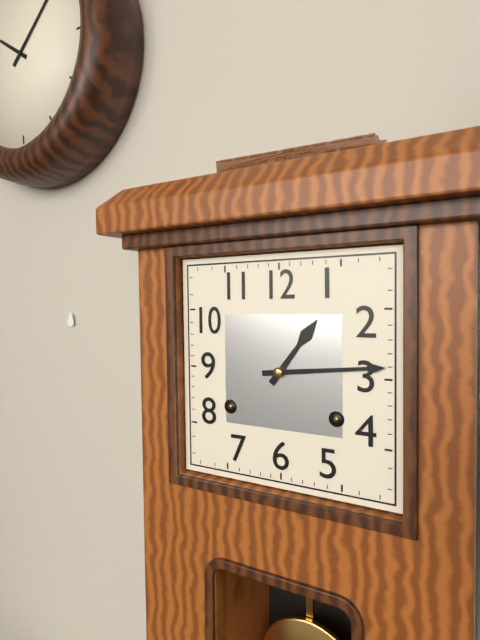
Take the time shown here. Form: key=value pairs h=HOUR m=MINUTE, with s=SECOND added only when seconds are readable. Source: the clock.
h=1 m=14
